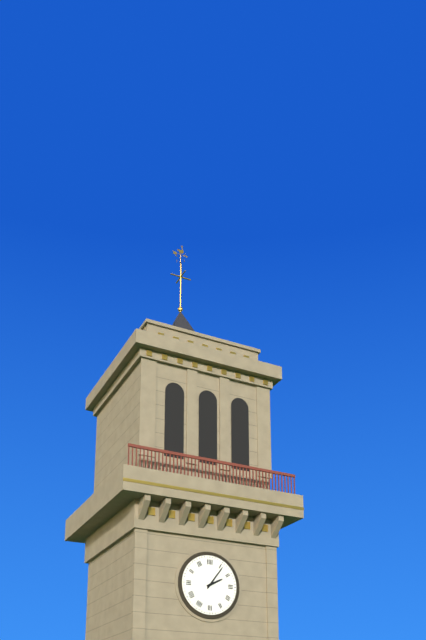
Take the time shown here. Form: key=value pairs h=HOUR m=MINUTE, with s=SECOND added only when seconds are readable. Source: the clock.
h=2 m=6
